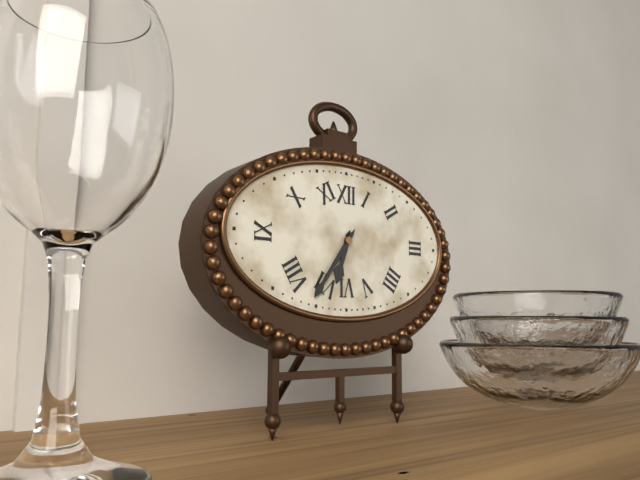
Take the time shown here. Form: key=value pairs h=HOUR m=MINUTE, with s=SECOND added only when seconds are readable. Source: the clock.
h=6 m=36
